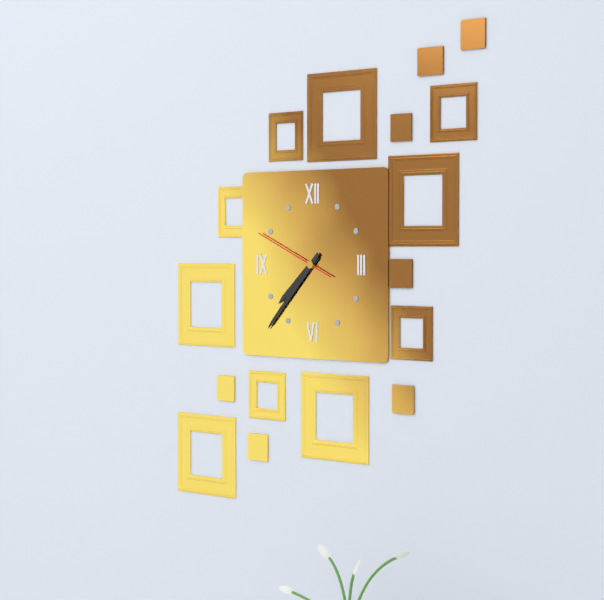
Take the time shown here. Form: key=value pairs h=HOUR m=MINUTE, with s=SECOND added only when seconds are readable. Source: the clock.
h=7 m=37 s=49
